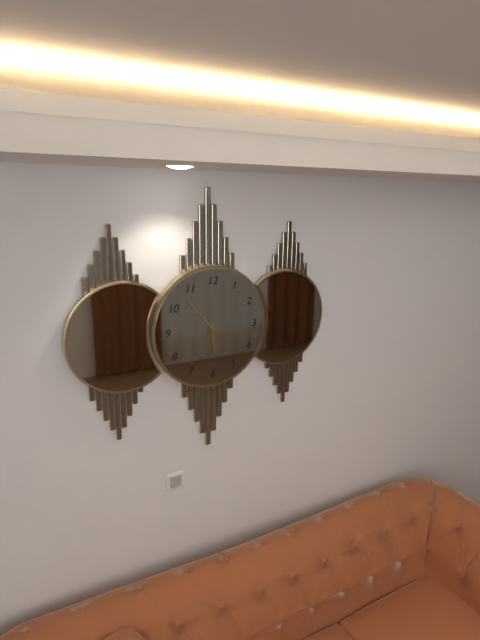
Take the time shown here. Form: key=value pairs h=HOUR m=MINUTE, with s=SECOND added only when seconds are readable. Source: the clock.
h=5 m=53
